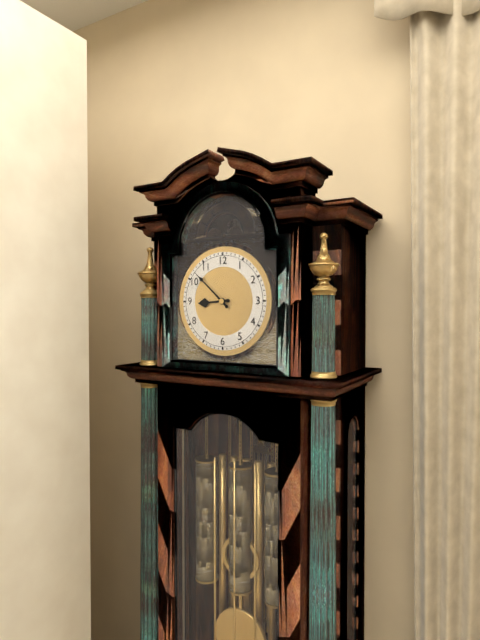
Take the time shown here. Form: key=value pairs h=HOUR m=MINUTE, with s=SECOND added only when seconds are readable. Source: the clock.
h=8 m=52
